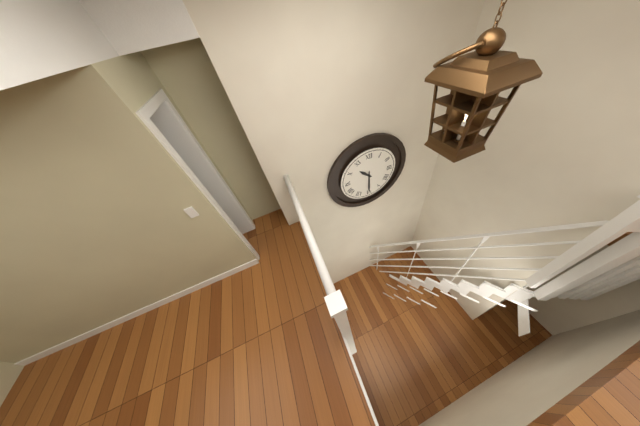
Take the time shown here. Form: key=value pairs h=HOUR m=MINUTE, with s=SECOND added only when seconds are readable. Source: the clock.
h=10 m=30
